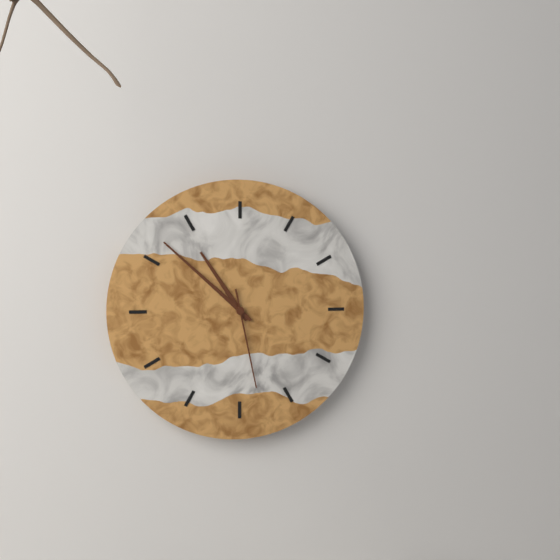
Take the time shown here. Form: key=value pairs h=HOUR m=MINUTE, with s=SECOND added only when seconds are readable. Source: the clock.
h=10 m=52 s=28
